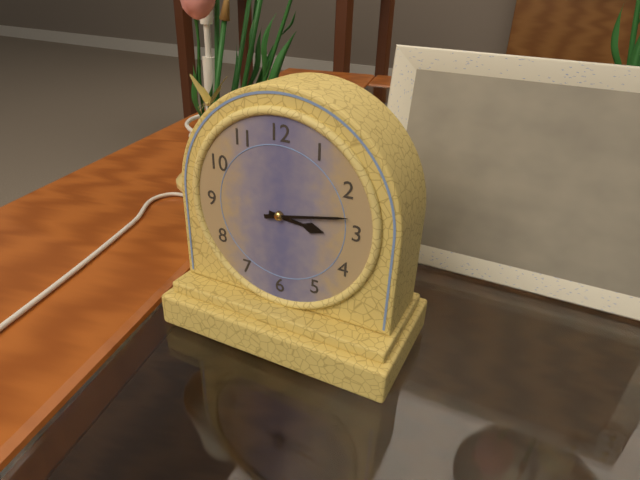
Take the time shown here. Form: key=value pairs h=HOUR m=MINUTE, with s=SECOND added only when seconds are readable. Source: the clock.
h=3 m=13
